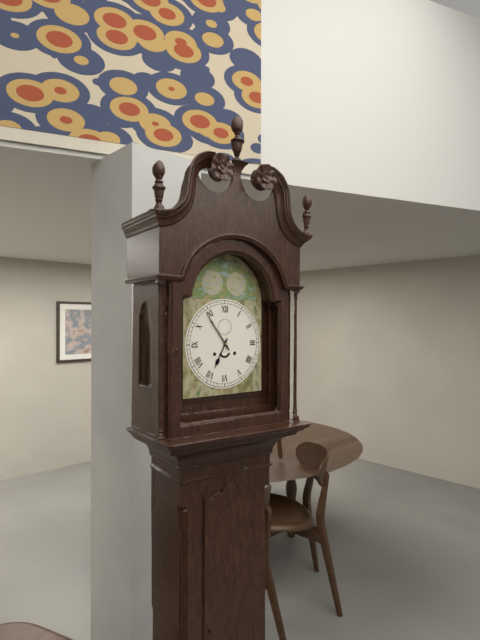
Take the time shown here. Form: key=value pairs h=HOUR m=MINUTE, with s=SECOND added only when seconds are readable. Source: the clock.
h=6 m=54
